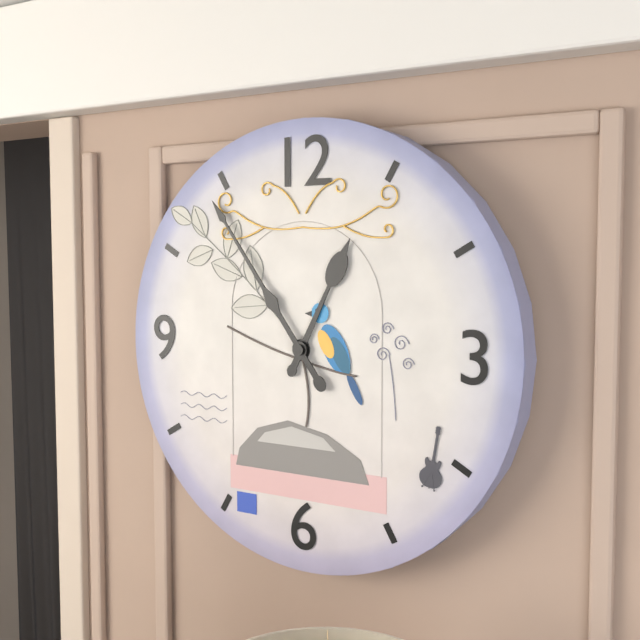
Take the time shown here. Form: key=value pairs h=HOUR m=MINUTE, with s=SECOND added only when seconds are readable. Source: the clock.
h=12 m=54
